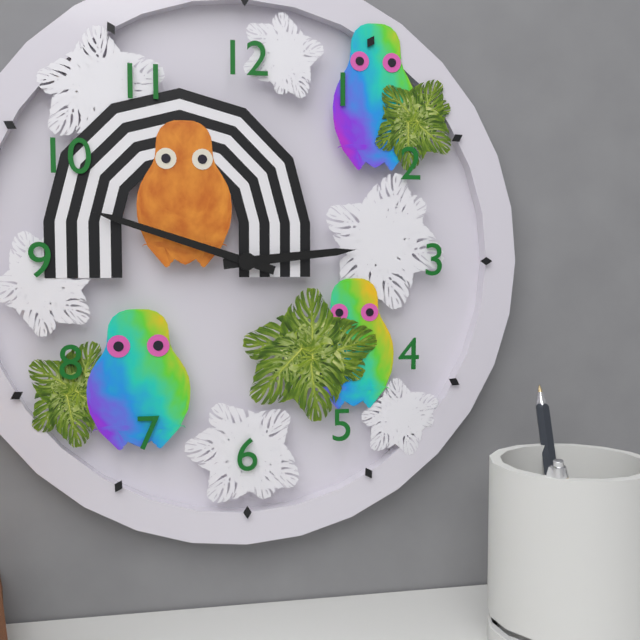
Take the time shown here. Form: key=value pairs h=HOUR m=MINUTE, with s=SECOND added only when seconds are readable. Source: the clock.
h=2 m=48
